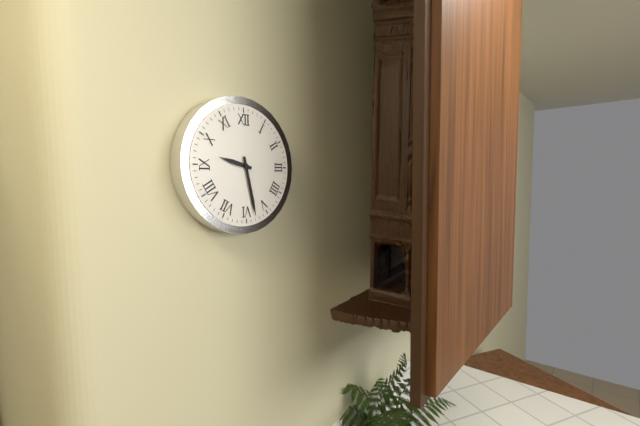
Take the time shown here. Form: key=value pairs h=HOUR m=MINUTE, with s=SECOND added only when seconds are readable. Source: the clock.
h=9 m=28
